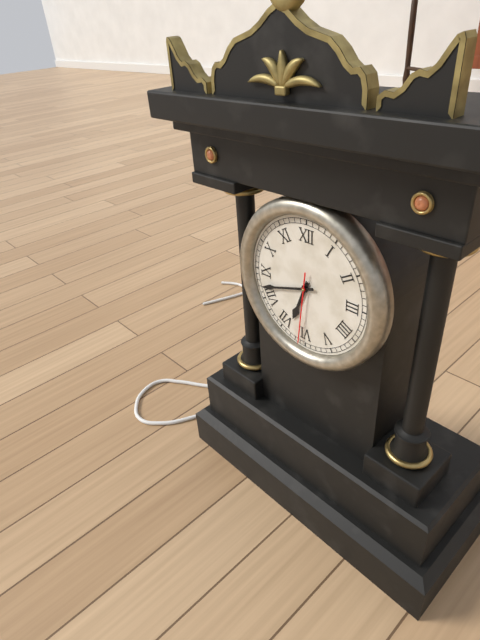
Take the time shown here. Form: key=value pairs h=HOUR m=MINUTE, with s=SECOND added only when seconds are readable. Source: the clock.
h=6 m=42 s=31
